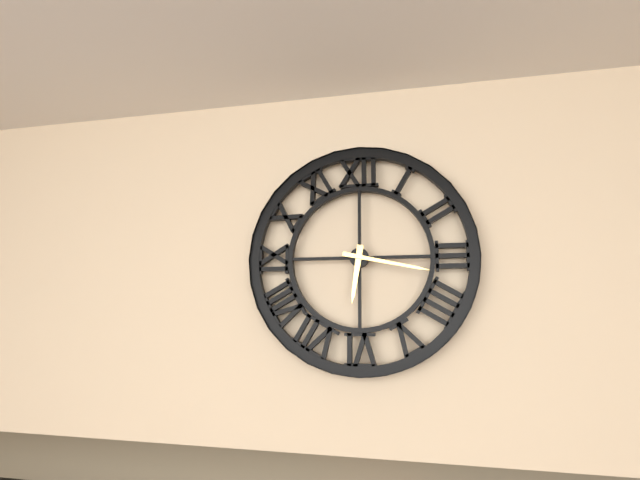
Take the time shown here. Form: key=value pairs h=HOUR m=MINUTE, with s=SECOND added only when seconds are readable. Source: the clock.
h=6 m=17
